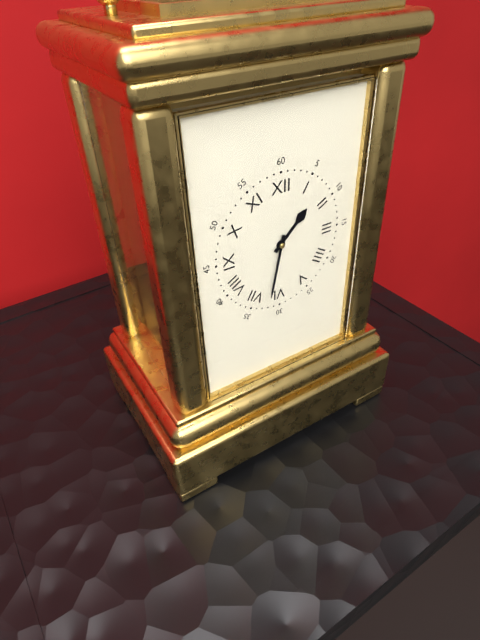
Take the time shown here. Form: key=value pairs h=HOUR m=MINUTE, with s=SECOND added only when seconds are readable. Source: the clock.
h=1 m=32
